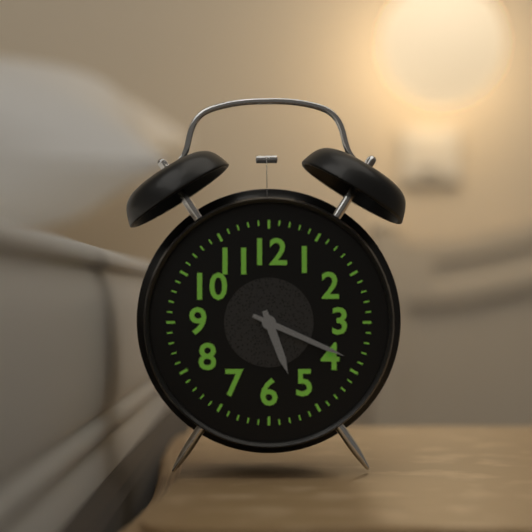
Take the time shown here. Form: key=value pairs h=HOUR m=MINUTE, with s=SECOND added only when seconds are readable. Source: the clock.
h=5 m=19
